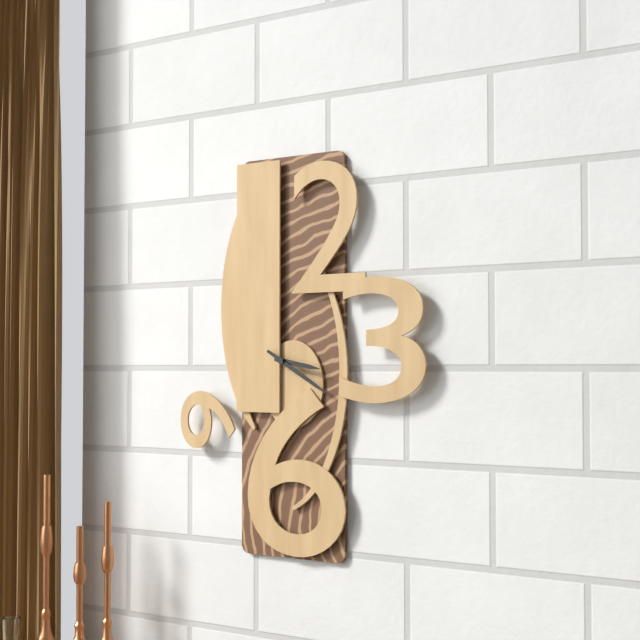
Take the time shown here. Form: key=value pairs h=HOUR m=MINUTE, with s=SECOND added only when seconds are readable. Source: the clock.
h=3 m=20
